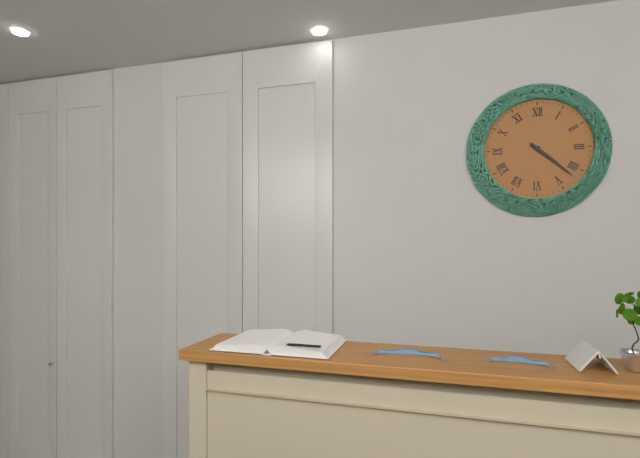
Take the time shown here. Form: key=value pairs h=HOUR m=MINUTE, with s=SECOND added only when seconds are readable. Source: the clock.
h=4 m=22
